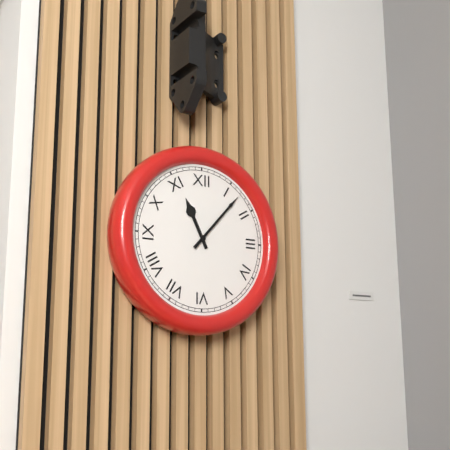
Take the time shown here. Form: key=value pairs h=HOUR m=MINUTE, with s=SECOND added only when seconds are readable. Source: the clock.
h=11 m=7
